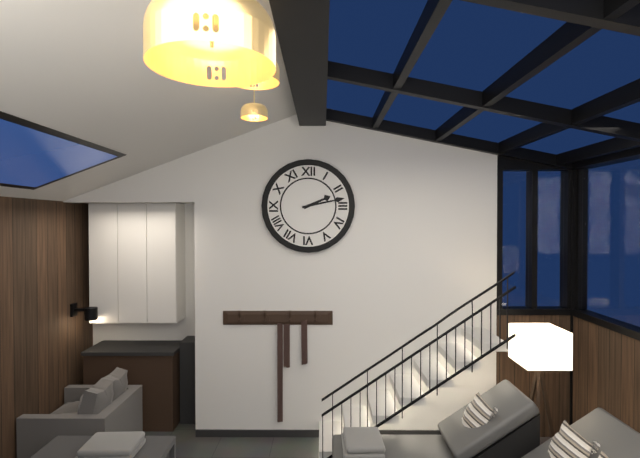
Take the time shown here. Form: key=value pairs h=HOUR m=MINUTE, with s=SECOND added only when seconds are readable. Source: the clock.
h=2 m=13
